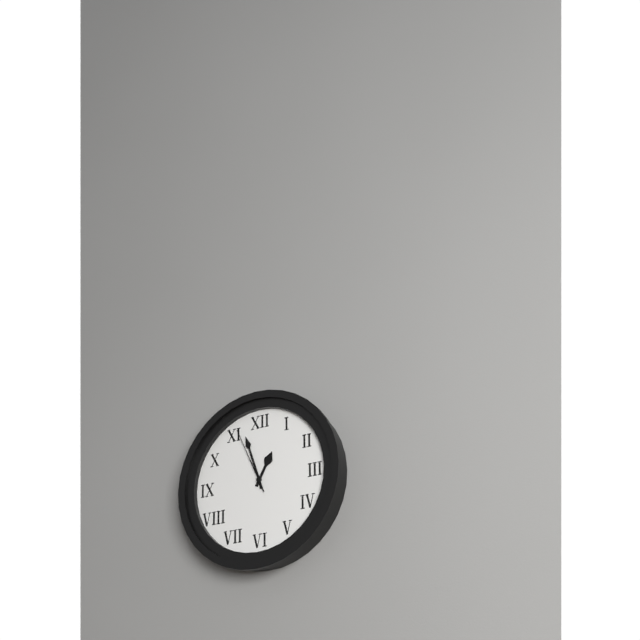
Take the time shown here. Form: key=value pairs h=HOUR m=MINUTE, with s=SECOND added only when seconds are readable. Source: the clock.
h=12 m=57 s=56
